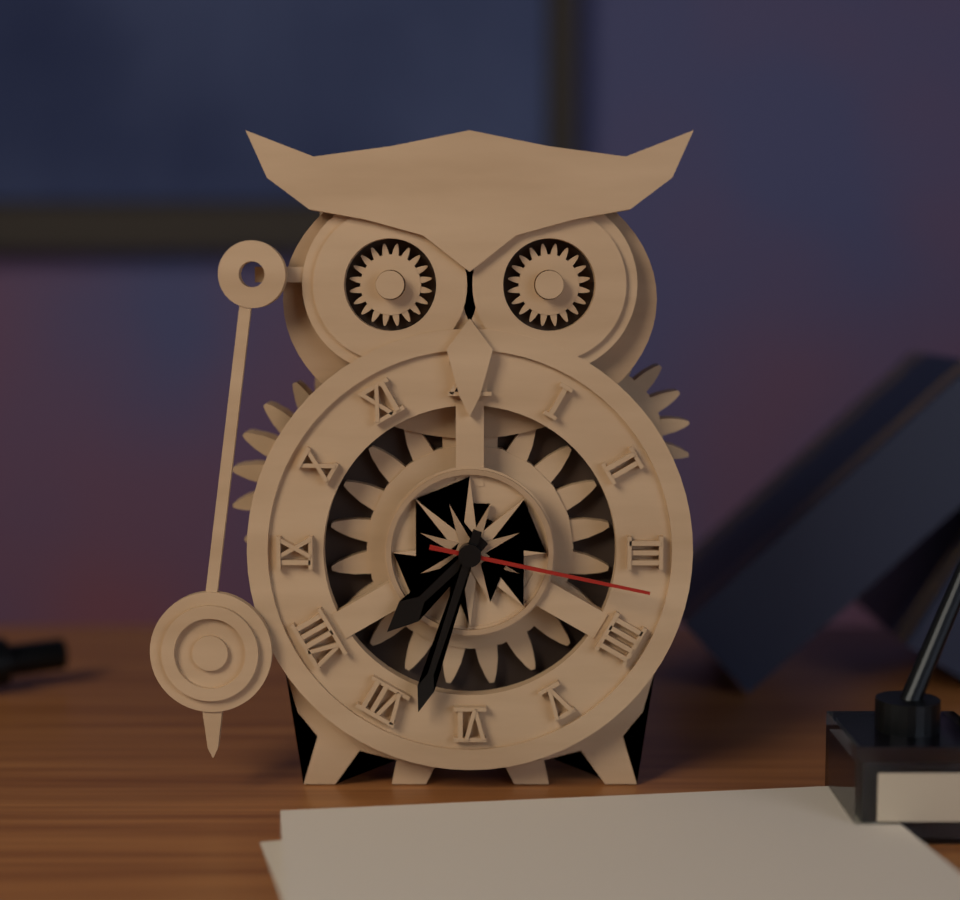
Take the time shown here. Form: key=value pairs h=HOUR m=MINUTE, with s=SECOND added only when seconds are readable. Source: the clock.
h=7 m=33 s=17
